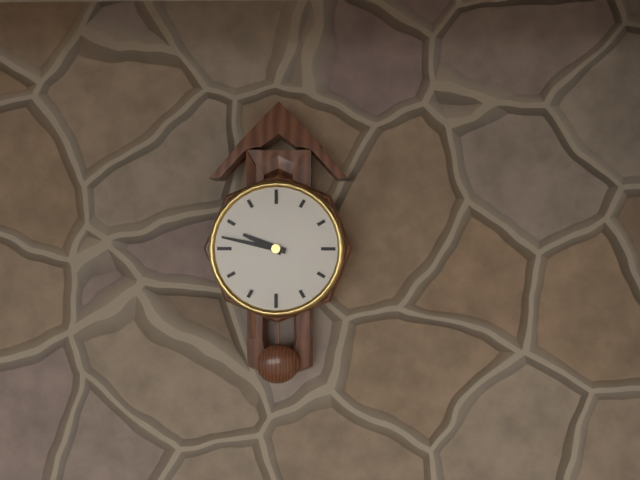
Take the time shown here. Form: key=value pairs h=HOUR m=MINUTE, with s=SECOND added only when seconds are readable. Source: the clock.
h=9 m=47
